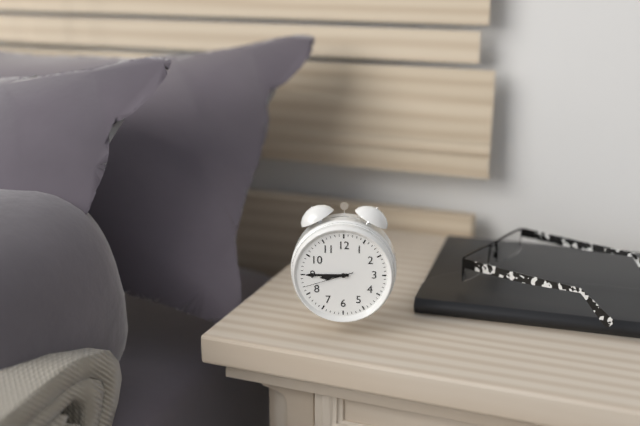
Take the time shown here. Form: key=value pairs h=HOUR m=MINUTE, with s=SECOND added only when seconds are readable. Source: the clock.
h=8 m=45 s=42
